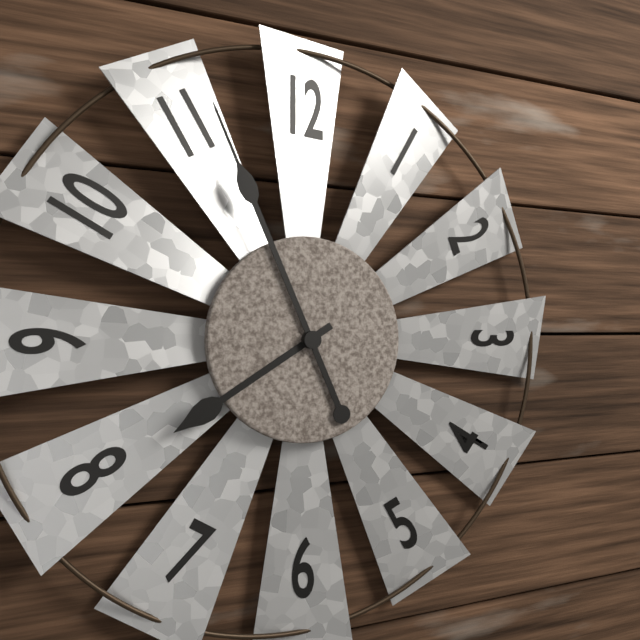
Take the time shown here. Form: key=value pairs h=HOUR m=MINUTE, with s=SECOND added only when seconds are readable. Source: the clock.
h=7 m=56
